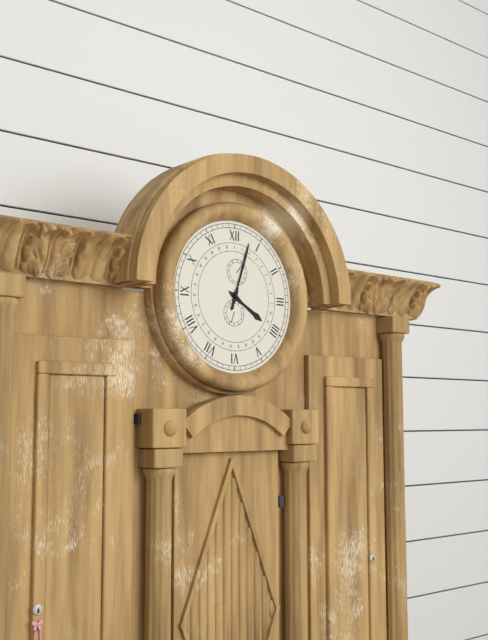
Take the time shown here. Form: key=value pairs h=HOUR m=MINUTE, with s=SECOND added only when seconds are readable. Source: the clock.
h=4 m=3
